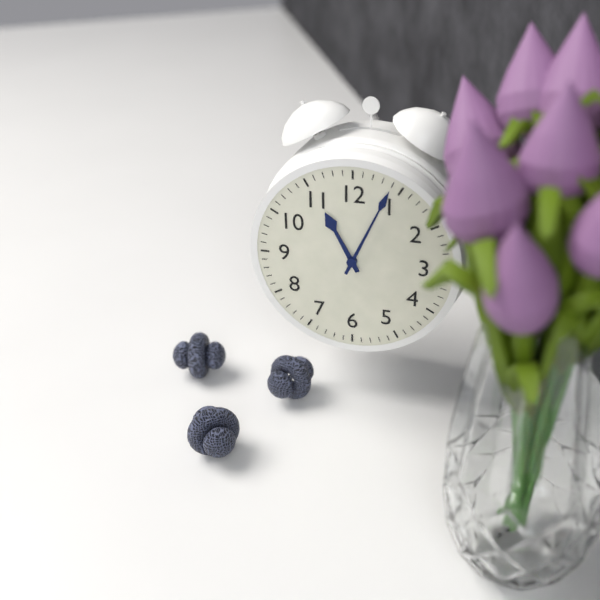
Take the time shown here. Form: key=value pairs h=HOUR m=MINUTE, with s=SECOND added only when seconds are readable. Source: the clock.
h=11 m=4
